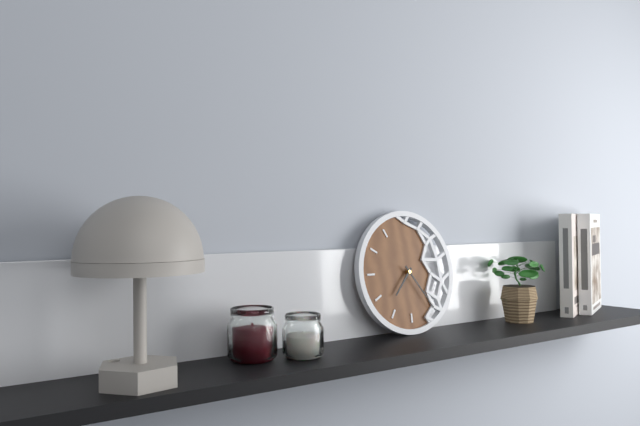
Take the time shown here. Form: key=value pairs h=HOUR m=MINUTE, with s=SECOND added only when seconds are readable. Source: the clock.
h=7 m=24
